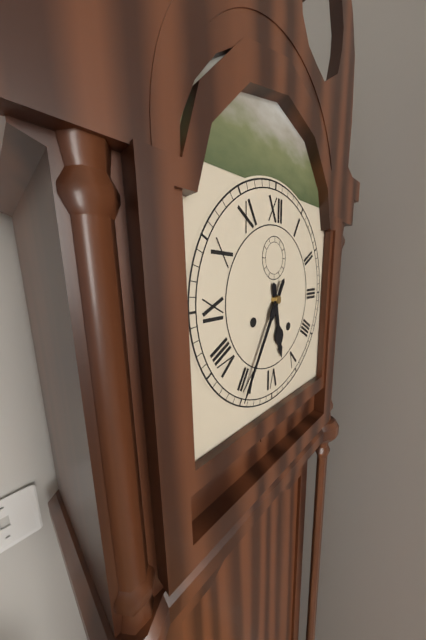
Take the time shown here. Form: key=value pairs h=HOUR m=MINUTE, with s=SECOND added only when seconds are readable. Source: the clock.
h=5 m=35
